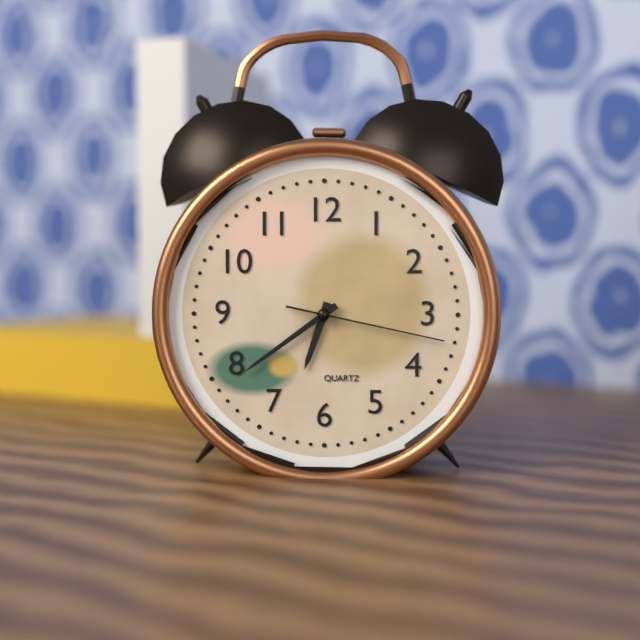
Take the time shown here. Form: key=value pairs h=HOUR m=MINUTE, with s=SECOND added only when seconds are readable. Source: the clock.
h=6 m=39 s=17
